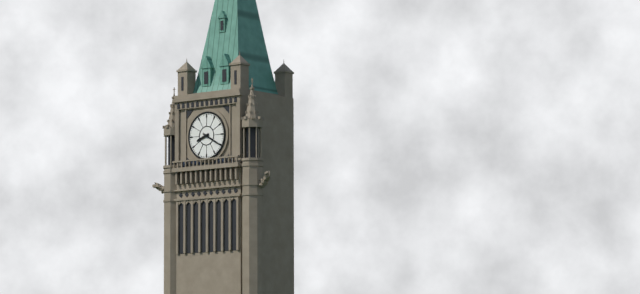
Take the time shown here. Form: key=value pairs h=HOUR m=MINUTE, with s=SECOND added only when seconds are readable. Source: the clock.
h=8 m=20
